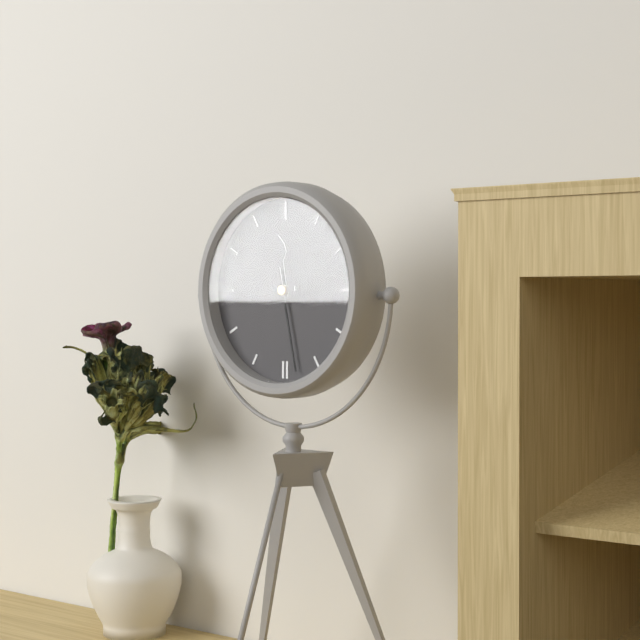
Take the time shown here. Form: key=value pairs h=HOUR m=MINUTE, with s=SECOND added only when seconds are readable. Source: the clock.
h=11 m=44 s=28
